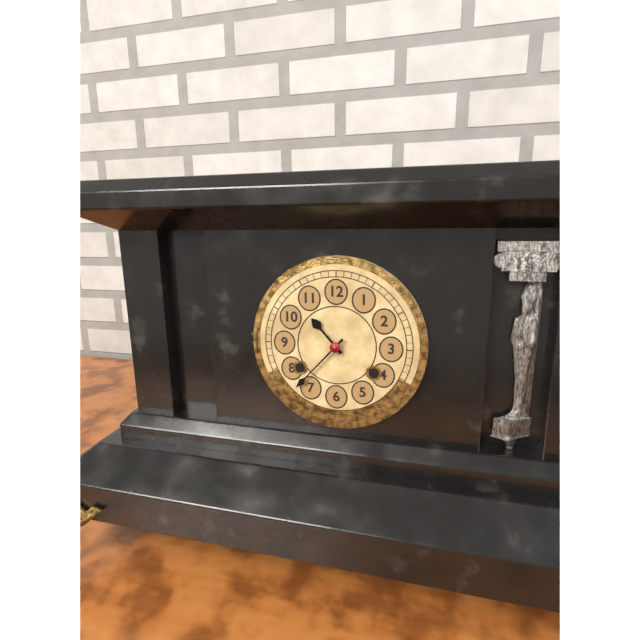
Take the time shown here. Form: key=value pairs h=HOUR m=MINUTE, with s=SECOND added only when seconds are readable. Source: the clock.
h=10 m=37
